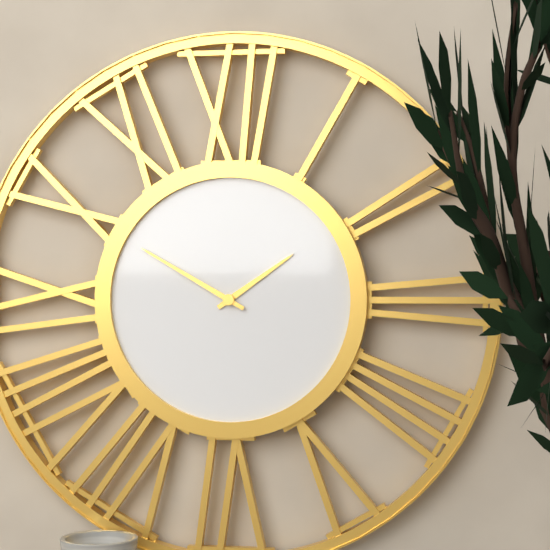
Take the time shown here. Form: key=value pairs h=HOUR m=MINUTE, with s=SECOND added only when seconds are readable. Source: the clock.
h=1 m=50
